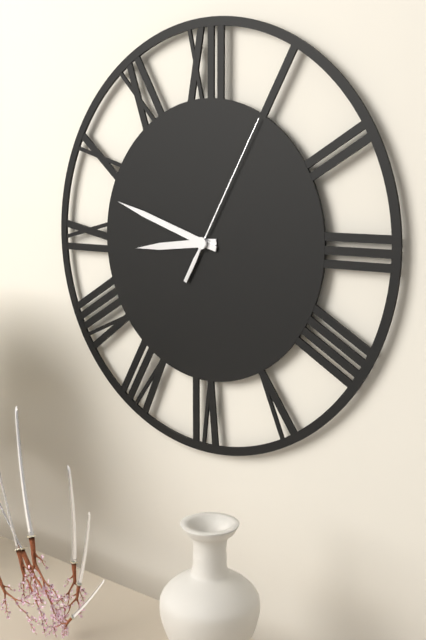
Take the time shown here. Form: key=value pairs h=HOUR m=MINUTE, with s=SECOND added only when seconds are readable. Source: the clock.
h=8 m=48 s=5
